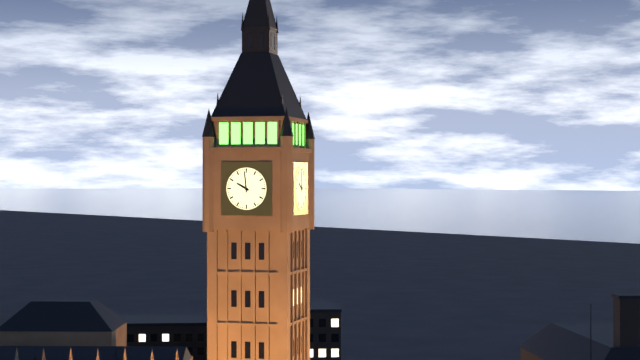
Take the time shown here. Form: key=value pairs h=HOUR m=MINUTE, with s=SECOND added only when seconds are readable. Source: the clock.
h=9 m=59
